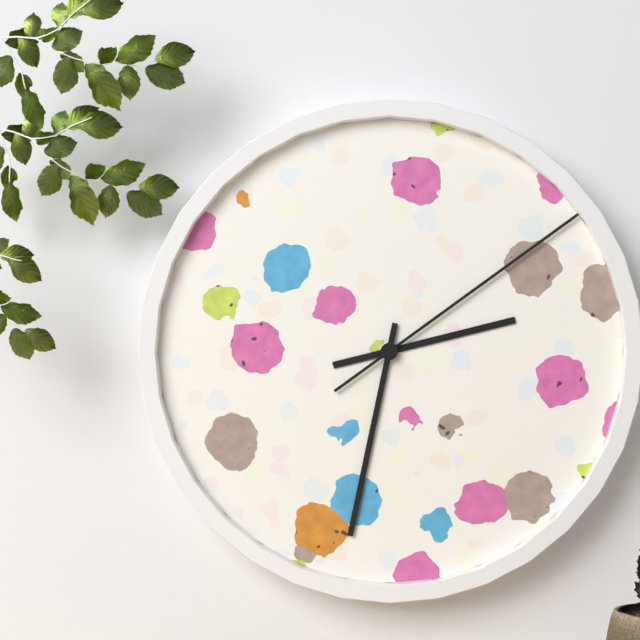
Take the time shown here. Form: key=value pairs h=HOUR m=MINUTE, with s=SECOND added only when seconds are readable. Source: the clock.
h=2 m=32 s=9
